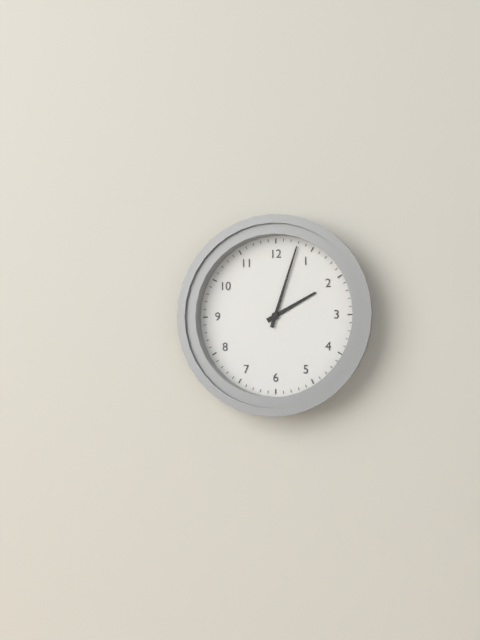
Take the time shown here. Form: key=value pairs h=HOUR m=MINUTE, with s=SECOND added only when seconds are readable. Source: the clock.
h=2 m=3
